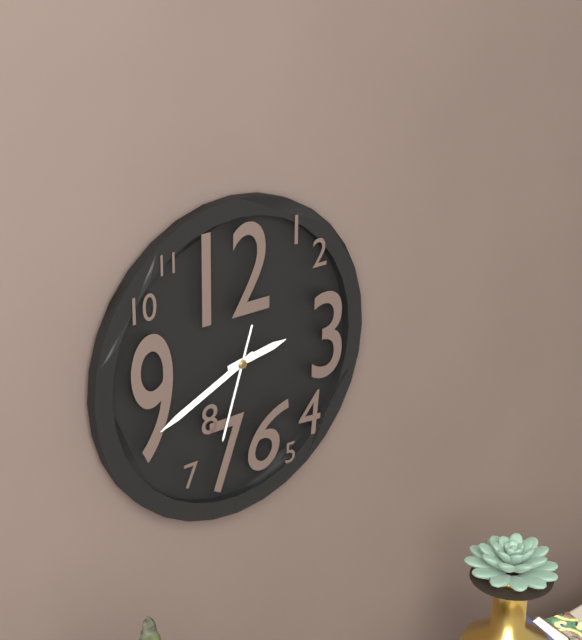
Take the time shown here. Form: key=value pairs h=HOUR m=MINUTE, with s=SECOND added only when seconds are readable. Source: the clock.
h=2 m=41 s=33
